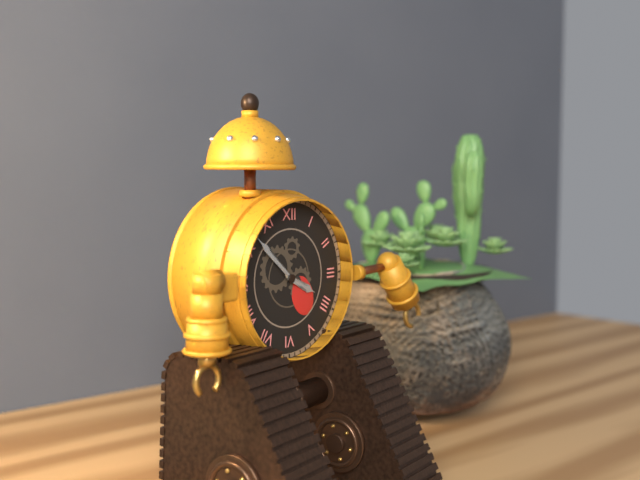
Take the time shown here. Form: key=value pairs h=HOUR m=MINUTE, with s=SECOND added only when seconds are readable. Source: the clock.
h=3 m=52
